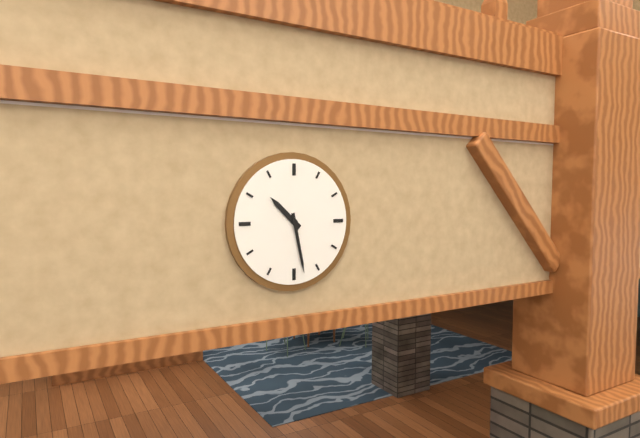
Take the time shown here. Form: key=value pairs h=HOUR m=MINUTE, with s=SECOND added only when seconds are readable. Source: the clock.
h=10 m=28
